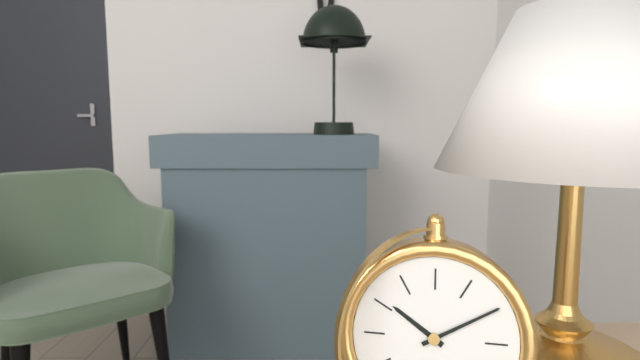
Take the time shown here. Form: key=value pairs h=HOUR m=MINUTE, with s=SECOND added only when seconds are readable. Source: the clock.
h=10 m=10
